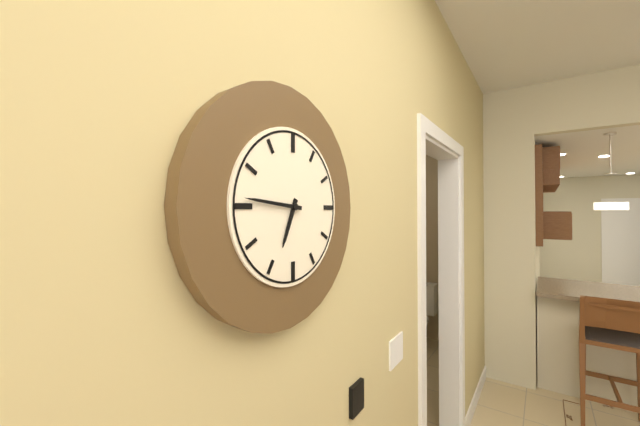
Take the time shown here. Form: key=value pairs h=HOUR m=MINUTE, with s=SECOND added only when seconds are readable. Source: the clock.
h=6 m=46
